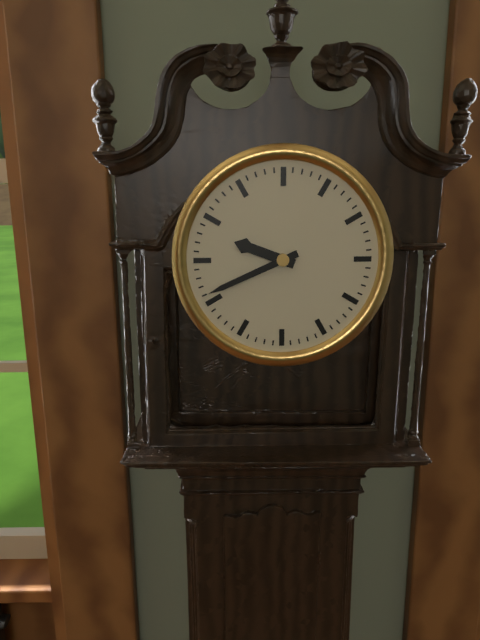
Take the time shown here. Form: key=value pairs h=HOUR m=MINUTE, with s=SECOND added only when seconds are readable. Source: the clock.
h=9 m=41
